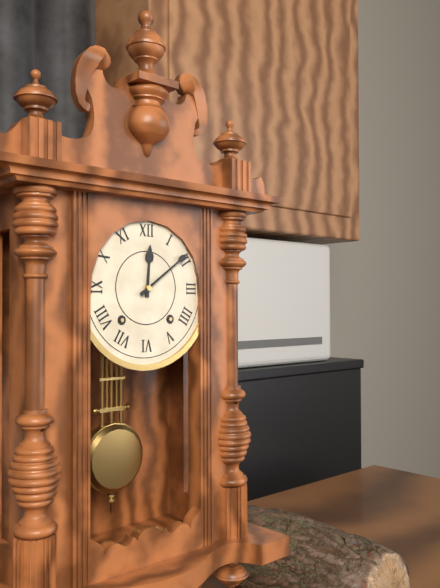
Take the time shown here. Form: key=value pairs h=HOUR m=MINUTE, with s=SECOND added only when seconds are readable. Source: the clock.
h=12 m=9
